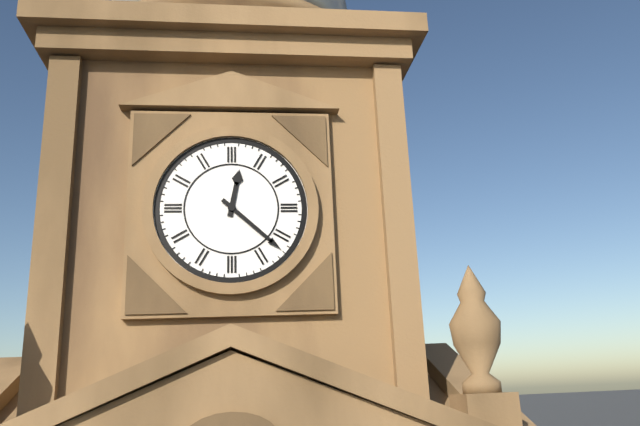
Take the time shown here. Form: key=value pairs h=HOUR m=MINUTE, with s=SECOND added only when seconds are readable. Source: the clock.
h=12 m=22
